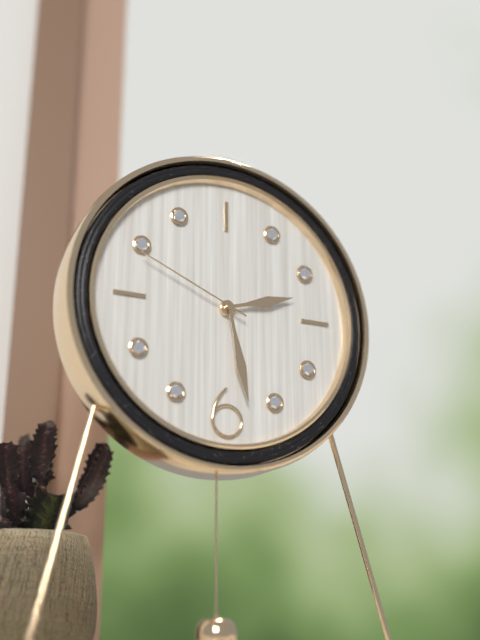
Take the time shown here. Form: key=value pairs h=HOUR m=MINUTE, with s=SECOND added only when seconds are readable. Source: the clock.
h=2 m=28 s=49
